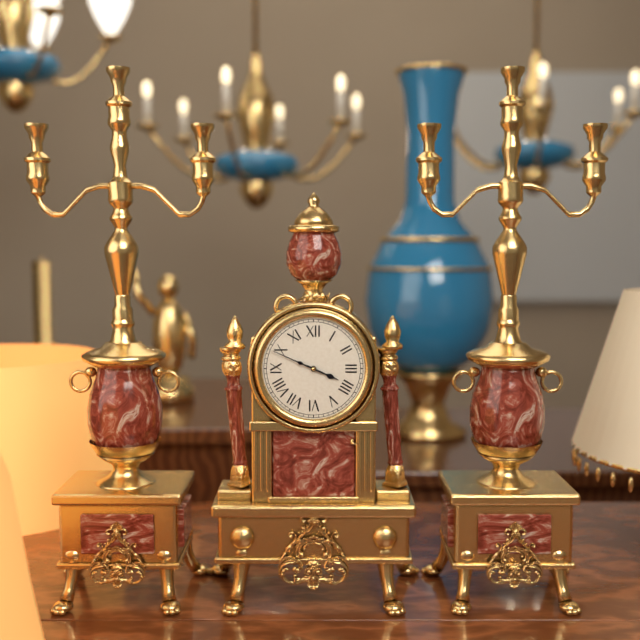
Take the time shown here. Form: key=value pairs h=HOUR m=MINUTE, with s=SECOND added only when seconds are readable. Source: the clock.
h=3 m=49
